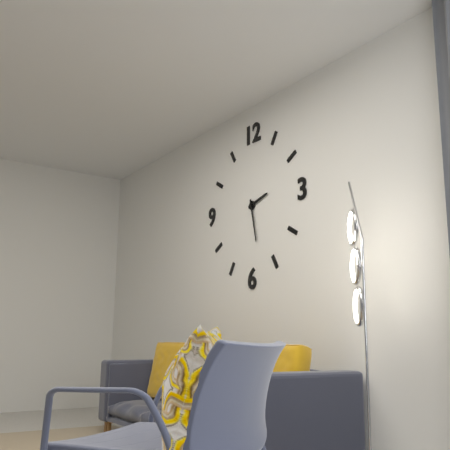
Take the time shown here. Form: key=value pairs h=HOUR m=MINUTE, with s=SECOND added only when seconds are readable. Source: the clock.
h=2 m=28
